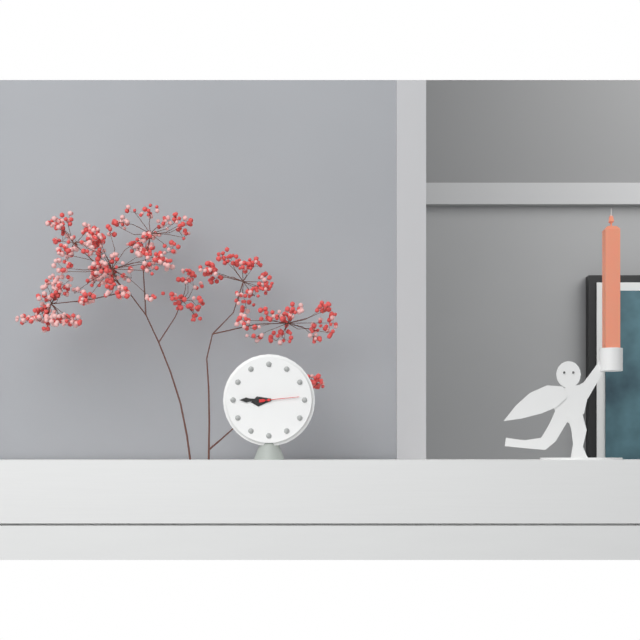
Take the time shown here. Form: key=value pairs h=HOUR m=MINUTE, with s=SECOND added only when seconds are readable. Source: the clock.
h=8 m=45
